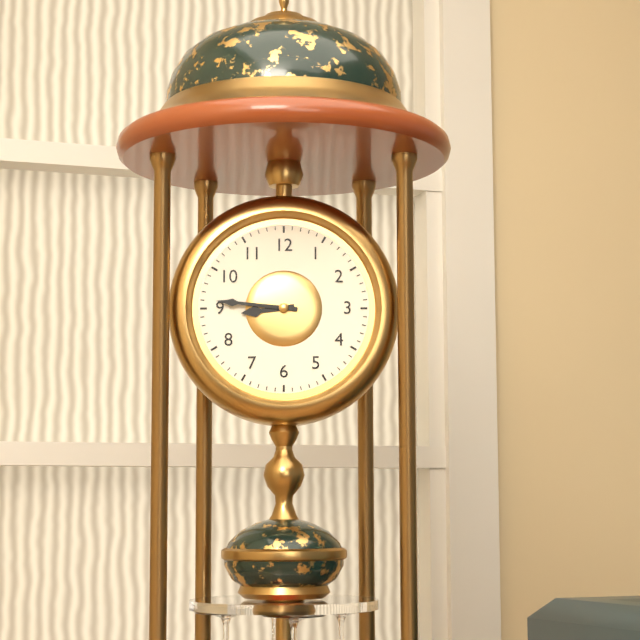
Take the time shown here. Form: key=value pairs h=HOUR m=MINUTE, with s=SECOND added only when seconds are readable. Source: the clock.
h=8 m=46
